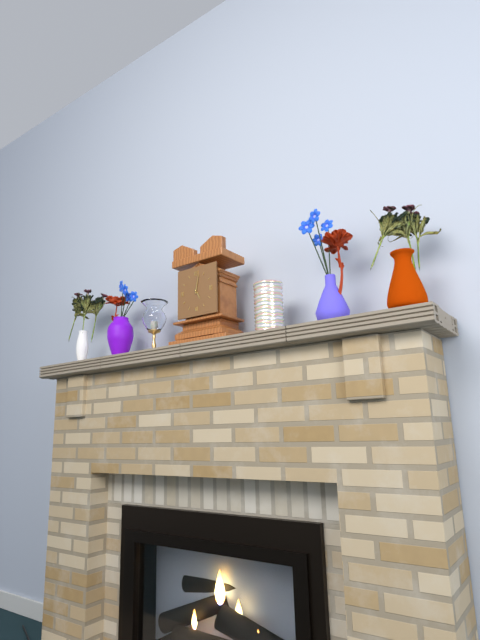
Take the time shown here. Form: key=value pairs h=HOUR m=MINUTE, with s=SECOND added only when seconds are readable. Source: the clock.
h=5 m=2
